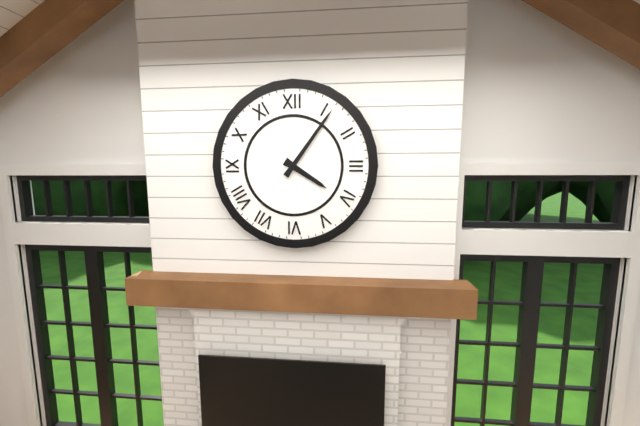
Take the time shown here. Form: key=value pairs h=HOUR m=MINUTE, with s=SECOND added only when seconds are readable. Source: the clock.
h=4 m=6
